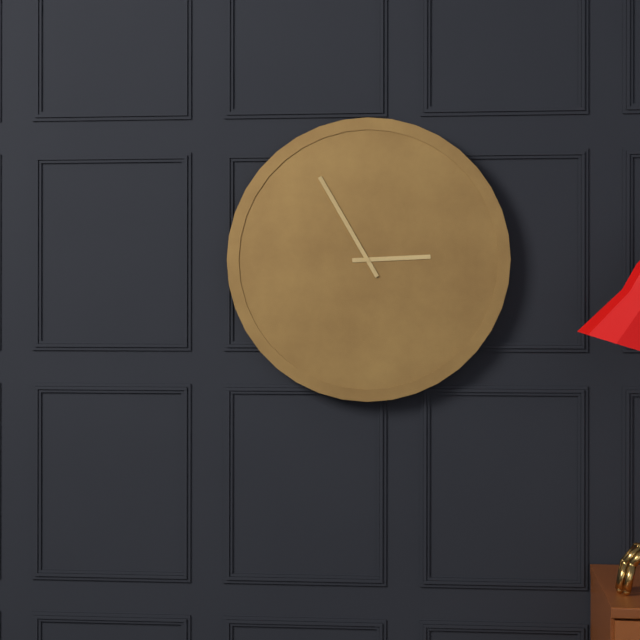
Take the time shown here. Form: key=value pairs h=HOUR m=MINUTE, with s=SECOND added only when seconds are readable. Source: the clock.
h=2 m=55
